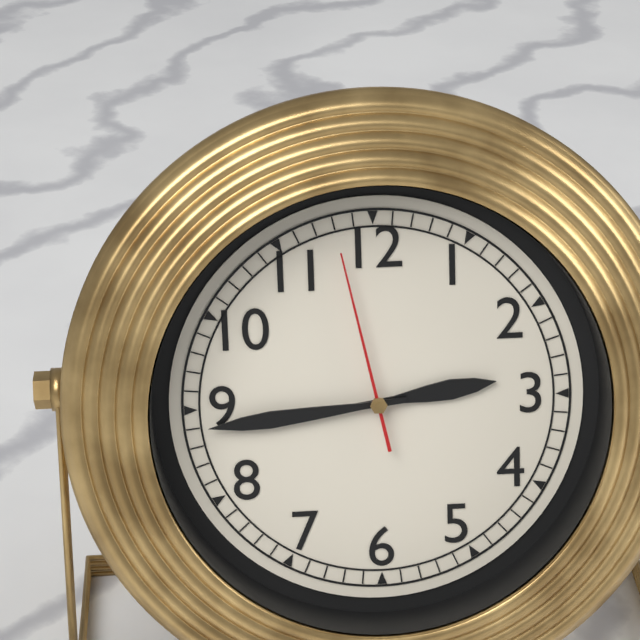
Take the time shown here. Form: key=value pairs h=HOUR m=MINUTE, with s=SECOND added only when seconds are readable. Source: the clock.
h=2 m=44 s=58
